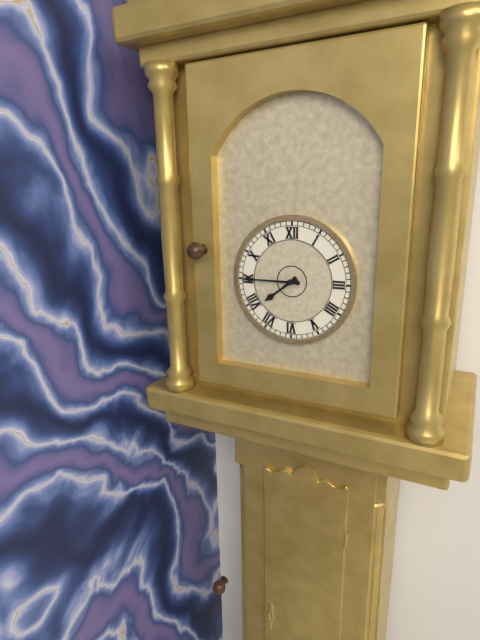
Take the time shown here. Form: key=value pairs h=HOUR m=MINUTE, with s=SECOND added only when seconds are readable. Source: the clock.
h=7 m=45
